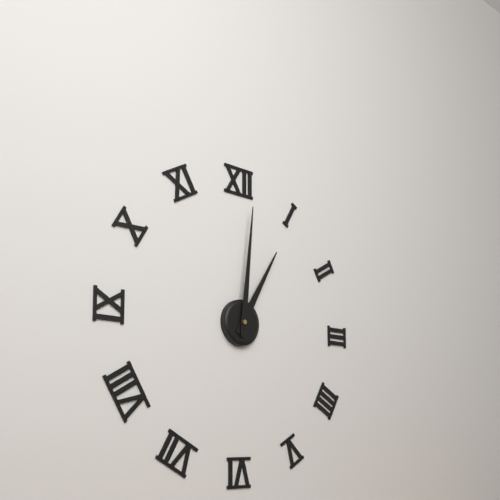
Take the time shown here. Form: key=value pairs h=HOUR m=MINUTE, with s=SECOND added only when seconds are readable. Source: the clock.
h=1 m=1
